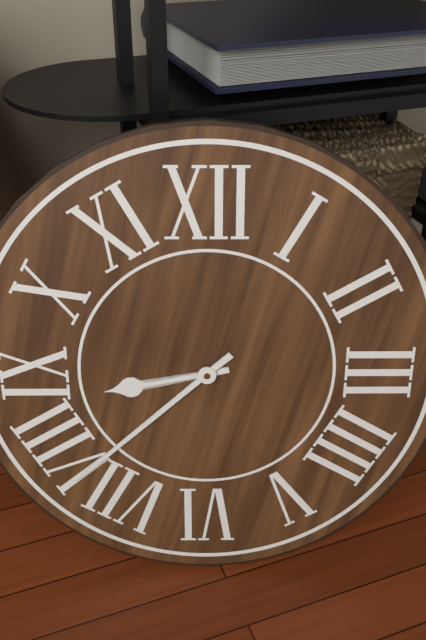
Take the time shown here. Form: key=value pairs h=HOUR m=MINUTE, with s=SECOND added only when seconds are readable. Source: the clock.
h=8 m=38
